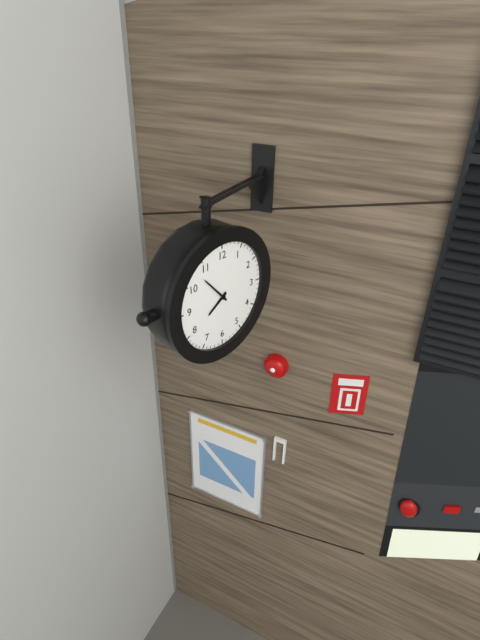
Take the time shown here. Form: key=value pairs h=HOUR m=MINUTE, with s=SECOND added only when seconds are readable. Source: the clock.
h=7 m=53
